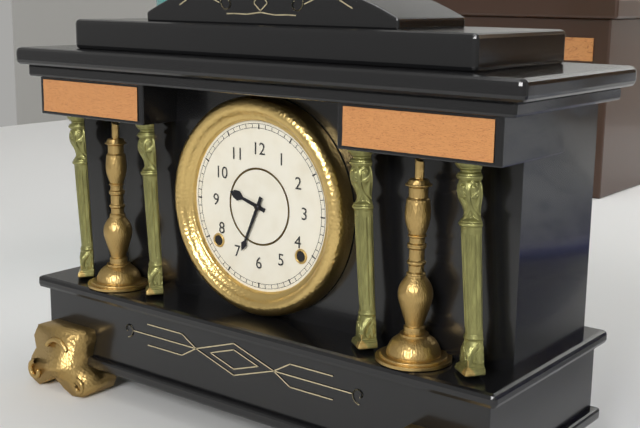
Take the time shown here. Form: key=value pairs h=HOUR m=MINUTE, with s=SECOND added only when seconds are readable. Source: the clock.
h=9 m=34
